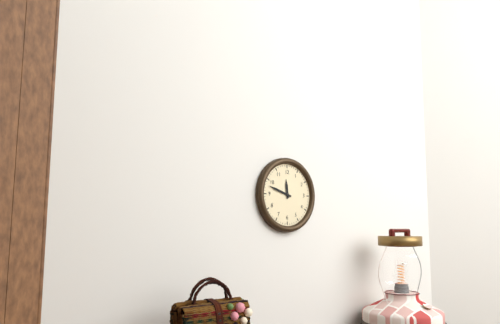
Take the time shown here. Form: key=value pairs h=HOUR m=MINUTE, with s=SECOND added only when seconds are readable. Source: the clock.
h=11 m=48
